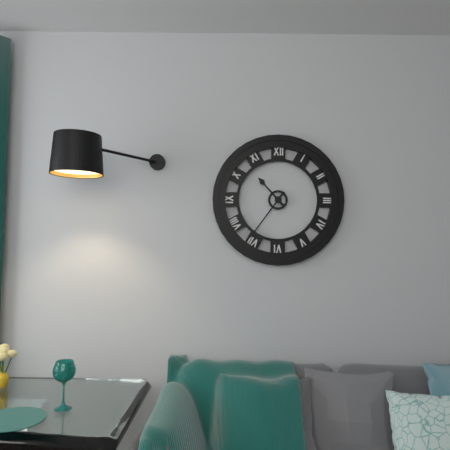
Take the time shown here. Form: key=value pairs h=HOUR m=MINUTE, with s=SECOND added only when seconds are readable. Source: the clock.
h=10 m=36
